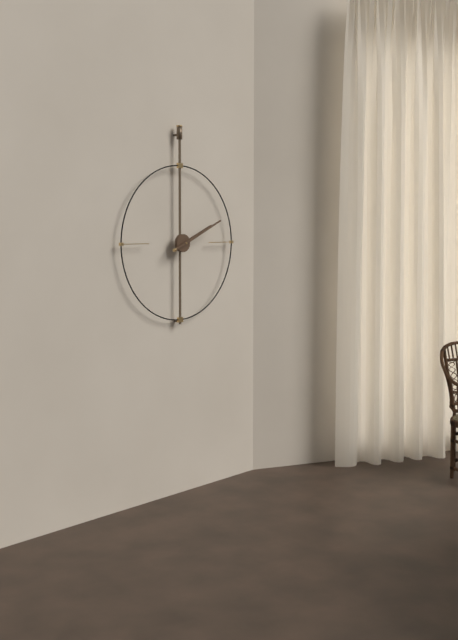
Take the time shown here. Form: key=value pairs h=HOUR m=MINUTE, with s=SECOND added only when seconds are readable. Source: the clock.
h=2 m=11
